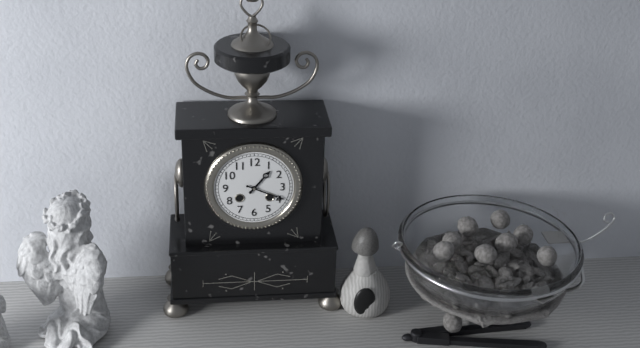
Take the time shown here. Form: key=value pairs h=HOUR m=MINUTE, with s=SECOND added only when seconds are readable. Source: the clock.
h=1 m=19
